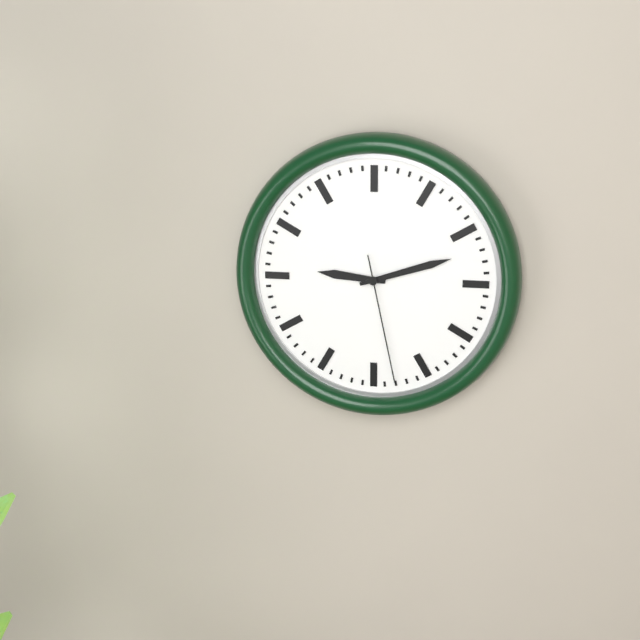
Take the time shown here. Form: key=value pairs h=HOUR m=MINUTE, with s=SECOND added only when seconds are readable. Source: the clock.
h=9 m=12 s=28
